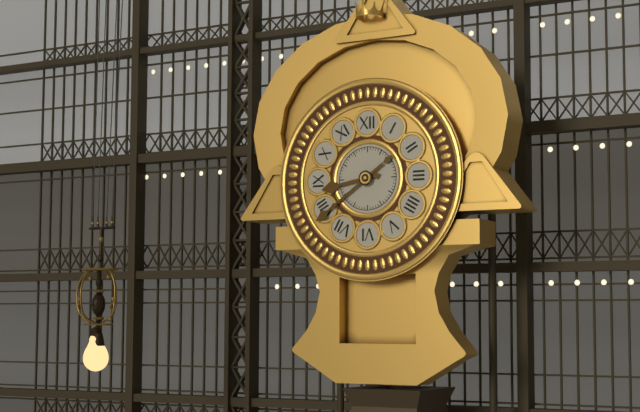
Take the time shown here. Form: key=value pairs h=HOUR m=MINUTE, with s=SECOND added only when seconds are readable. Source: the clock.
h=8 m=39
